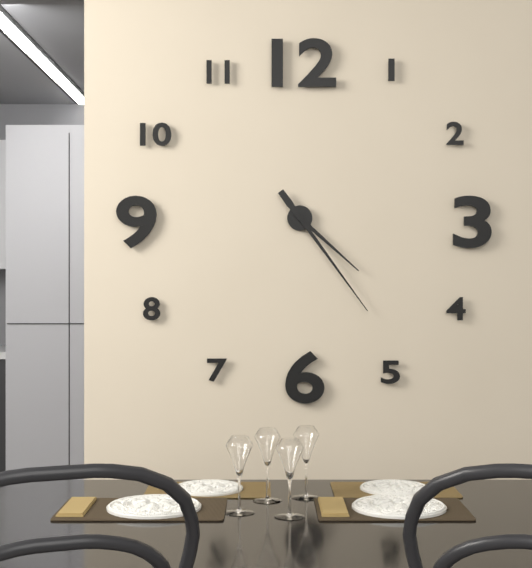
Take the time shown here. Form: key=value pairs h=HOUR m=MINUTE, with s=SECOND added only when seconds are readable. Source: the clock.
h=4 m=24
